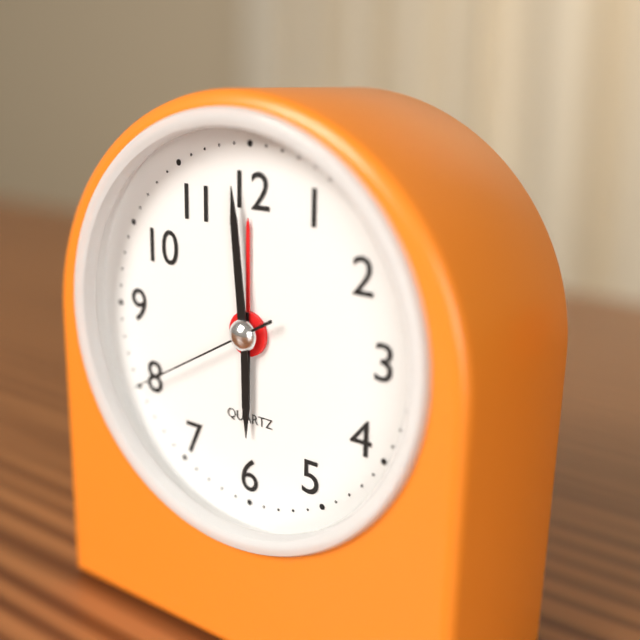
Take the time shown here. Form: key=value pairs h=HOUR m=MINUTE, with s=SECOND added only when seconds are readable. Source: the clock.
h=5 m=59 s=40
